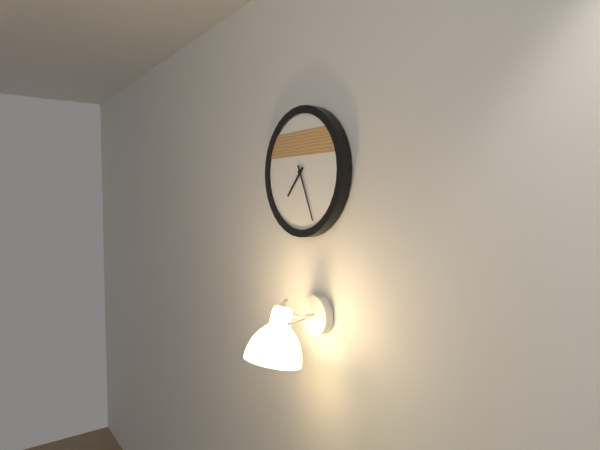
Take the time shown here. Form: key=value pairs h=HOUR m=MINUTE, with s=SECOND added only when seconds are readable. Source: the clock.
h=7 m=26
